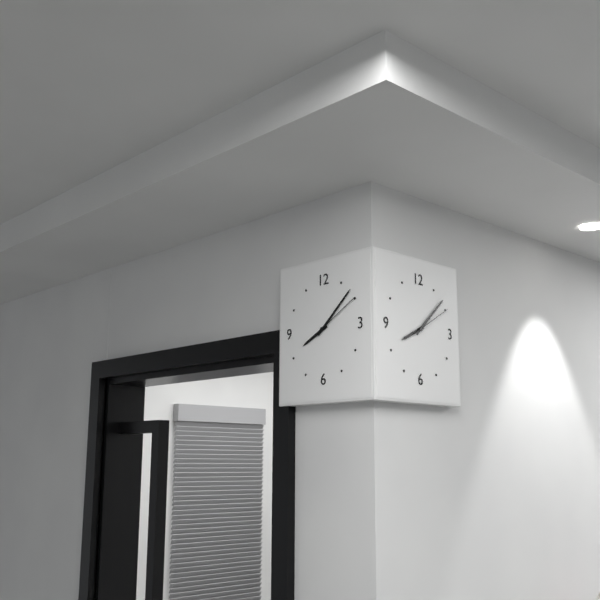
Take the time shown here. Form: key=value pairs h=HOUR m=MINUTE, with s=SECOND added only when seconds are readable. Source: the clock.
h=8 m=8 s=10
